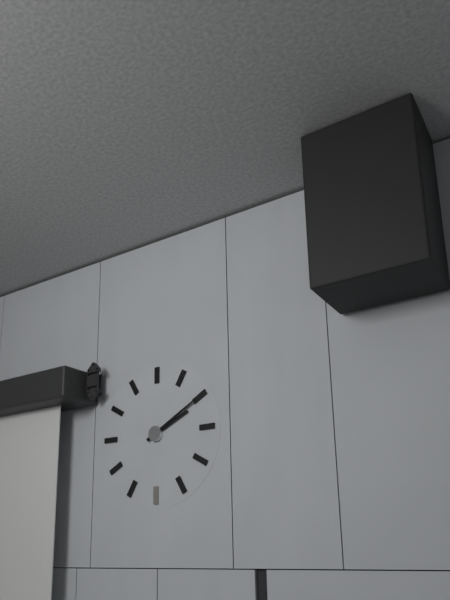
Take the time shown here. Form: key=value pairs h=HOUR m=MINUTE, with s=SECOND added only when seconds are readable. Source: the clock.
h=2 m=10
